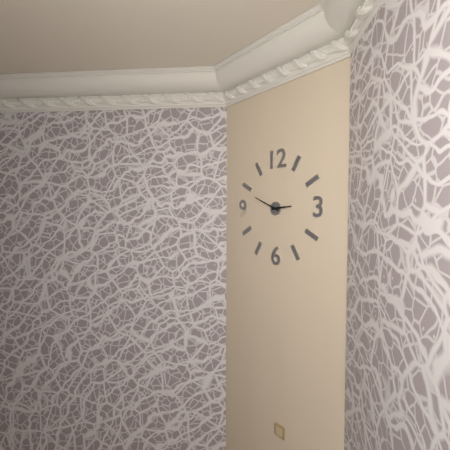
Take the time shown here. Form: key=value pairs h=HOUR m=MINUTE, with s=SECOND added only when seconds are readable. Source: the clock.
h=2 m=49
